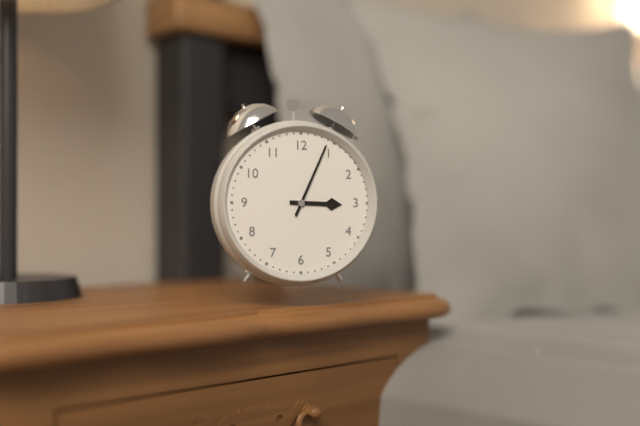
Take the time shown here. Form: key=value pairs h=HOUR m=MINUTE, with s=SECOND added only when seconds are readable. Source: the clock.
h=3 m=4
